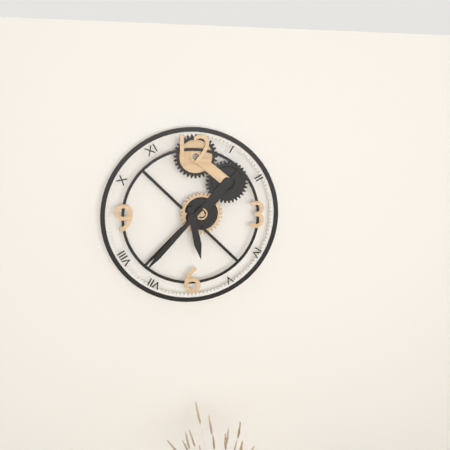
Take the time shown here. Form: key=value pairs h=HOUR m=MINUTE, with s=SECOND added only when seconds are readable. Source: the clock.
h=5 m=37
